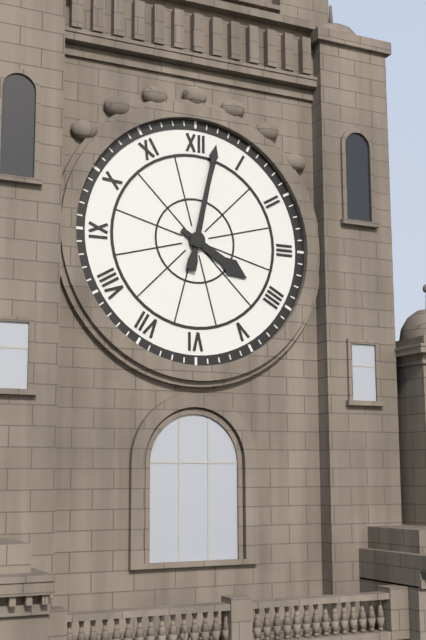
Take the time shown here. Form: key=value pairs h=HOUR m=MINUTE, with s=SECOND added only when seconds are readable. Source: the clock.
h=4 m=2
